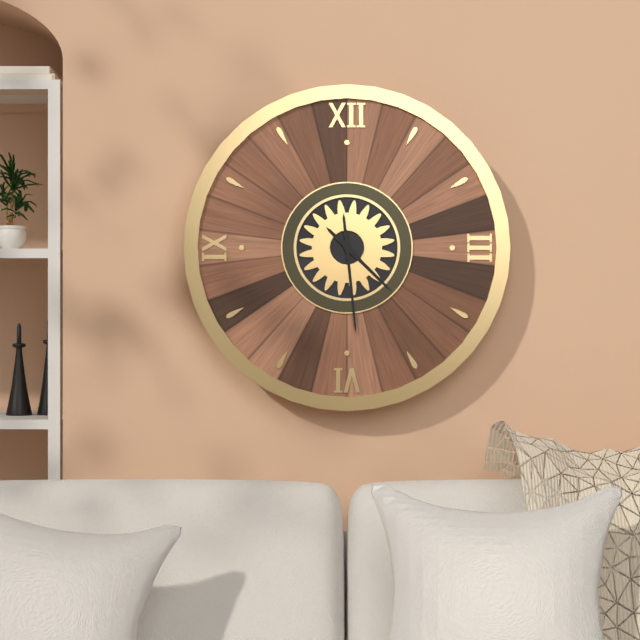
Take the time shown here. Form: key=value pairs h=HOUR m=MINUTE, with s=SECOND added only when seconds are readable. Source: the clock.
h=4 m=29
